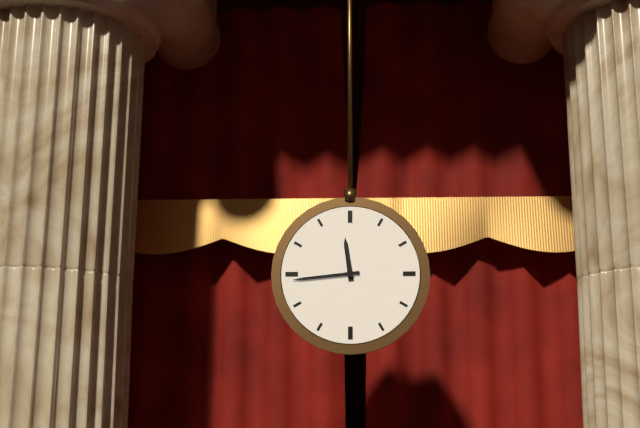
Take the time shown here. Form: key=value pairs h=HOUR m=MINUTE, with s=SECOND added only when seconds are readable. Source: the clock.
h=11 m=44
